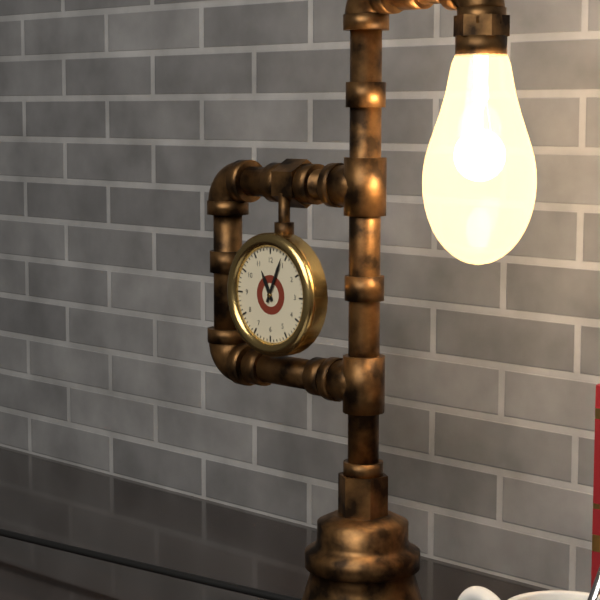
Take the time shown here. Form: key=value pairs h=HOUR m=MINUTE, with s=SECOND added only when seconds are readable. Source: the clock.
h=11 m=4
